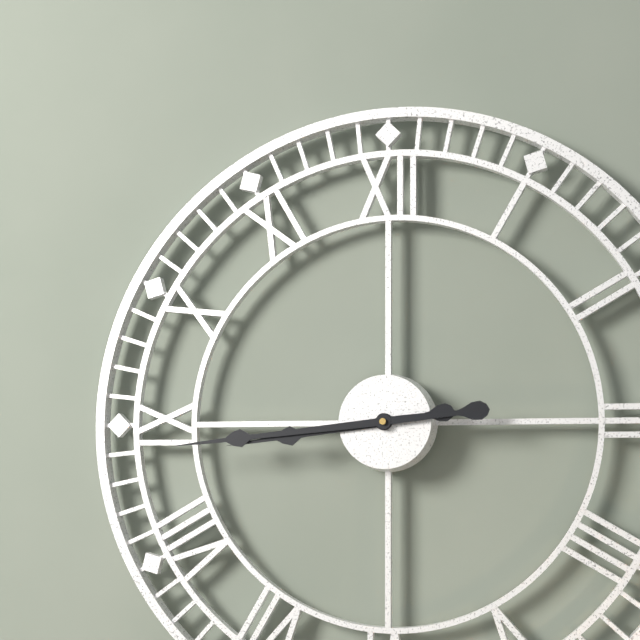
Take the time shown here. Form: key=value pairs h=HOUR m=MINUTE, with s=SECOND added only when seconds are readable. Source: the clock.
h=8 m=44
